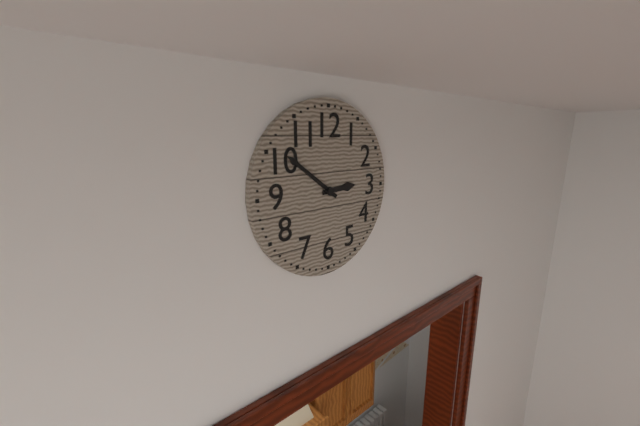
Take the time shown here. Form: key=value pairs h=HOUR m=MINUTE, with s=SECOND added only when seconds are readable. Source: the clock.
h=2 m=51
